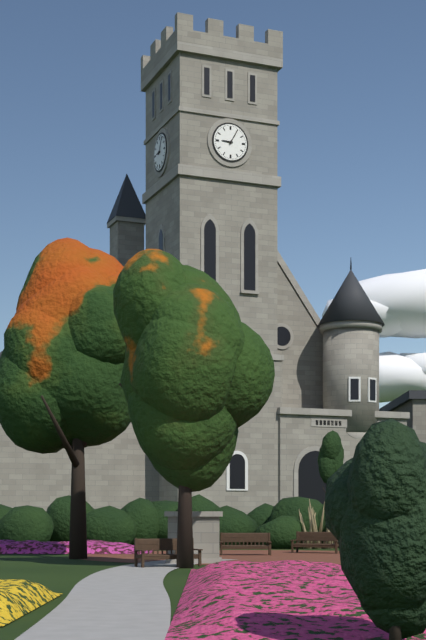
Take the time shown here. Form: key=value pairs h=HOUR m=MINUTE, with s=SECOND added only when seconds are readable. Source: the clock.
h=9 m=5
